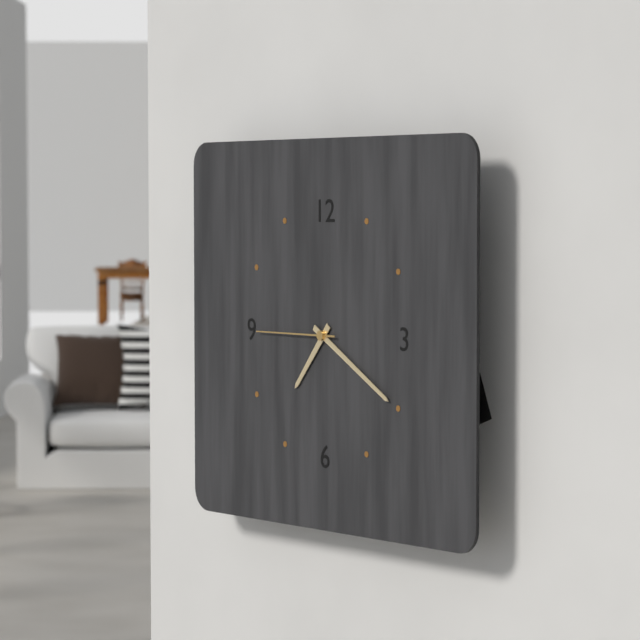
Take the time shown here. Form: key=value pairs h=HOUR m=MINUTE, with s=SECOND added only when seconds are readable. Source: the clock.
h=7 m=20 s=45
